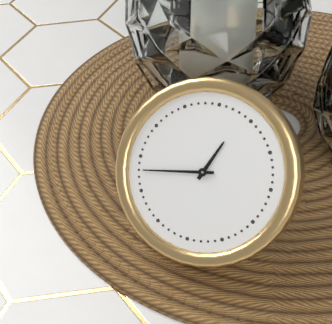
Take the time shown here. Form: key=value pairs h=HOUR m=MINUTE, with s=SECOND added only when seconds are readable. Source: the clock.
h=12 m=43
